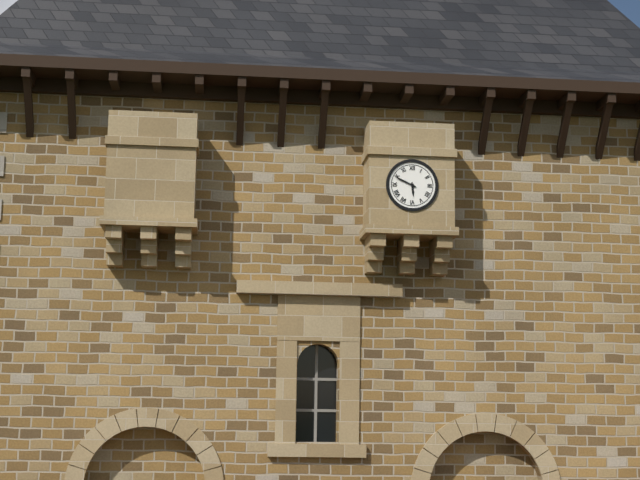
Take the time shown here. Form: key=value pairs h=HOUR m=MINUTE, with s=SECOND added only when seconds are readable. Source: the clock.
h=5 m=49
